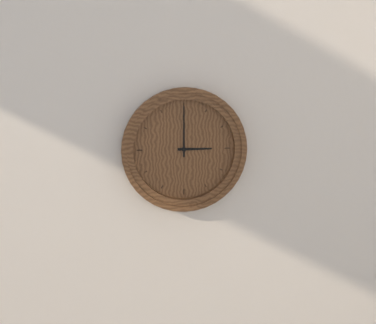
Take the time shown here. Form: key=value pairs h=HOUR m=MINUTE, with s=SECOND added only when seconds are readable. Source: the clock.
h=3 m=0
